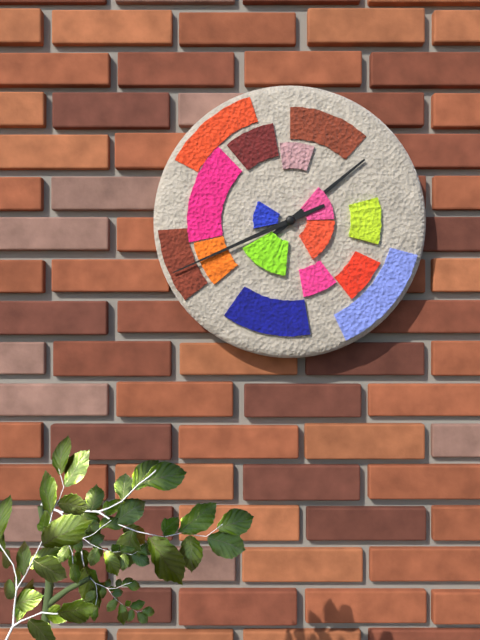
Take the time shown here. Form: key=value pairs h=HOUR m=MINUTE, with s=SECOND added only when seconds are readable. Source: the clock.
h=1 m=41
